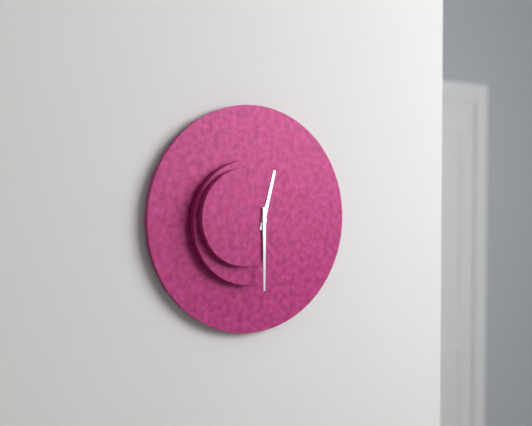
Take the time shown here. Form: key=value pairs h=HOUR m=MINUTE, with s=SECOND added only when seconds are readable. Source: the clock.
h=12 m=30
